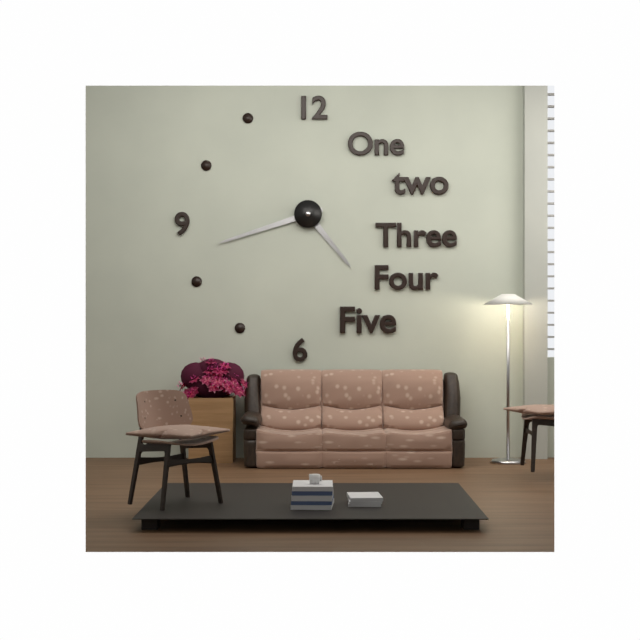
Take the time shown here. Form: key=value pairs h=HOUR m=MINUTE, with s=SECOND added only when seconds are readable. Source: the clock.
h=4 m=42
